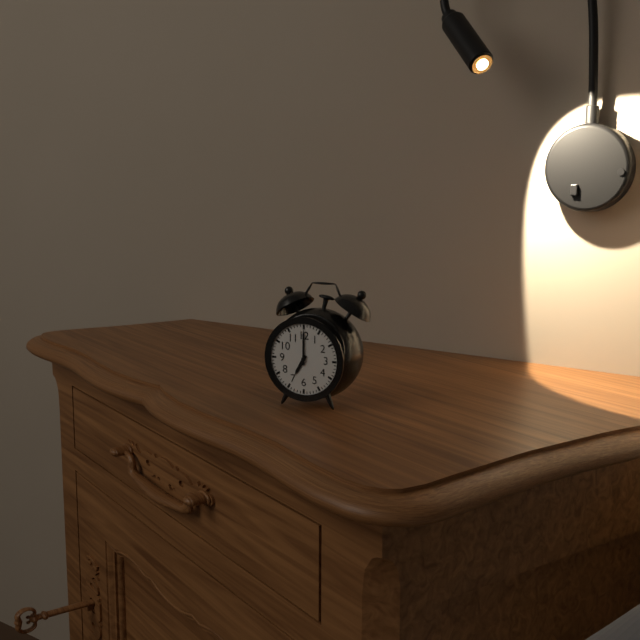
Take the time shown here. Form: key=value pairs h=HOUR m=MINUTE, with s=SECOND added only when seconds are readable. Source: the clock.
h=7 m=0
